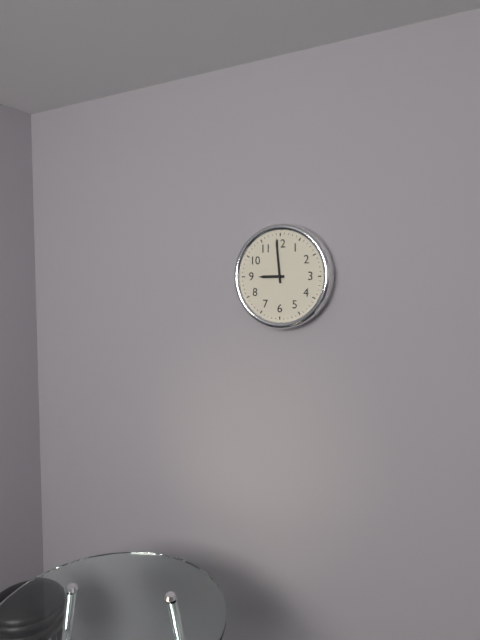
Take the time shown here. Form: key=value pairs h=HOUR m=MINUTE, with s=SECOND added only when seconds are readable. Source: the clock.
h=8 m=59
